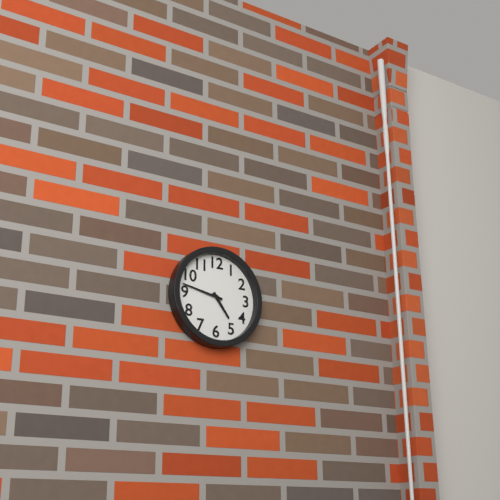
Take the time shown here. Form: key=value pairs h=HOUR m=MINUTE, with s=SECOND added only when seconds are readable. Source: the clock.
h=4 m=47
